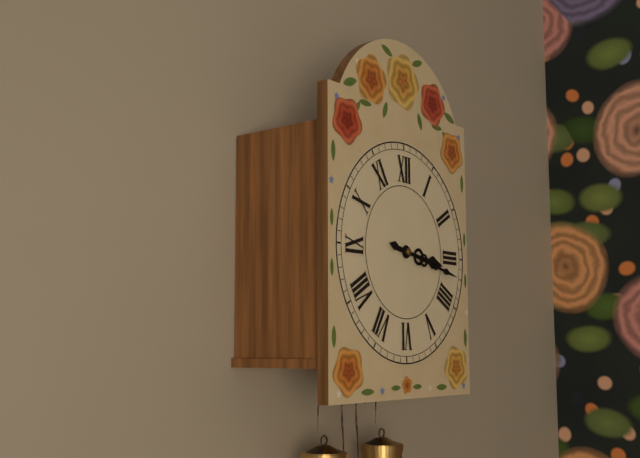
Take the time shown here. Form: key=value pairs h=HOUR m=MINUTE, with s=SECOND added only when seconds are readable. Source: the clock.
h=3 m=17
